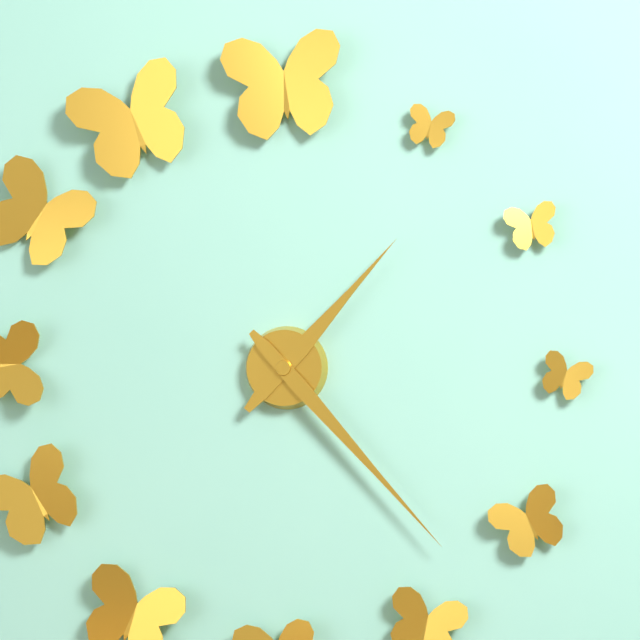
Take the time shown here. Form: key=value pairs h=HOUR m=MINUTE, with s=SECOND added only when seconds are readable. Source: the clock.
h=1 m=23
